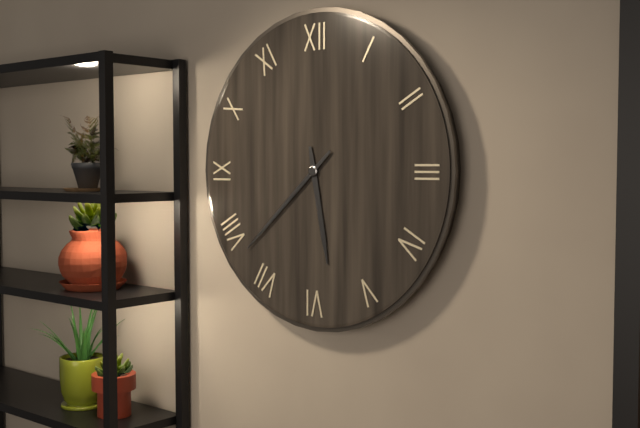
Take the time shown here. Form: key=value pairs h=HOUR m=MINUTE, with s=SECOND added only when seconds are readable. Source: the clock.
h=5 m=38
